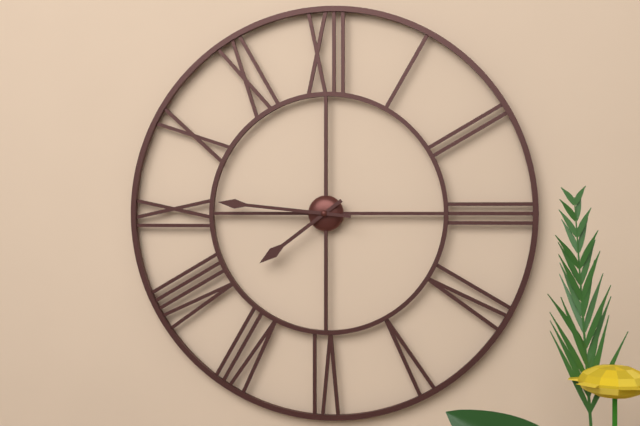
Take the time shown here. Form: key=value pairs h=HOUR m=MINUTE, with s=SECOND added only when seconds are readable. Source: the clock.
h=7 m=46
